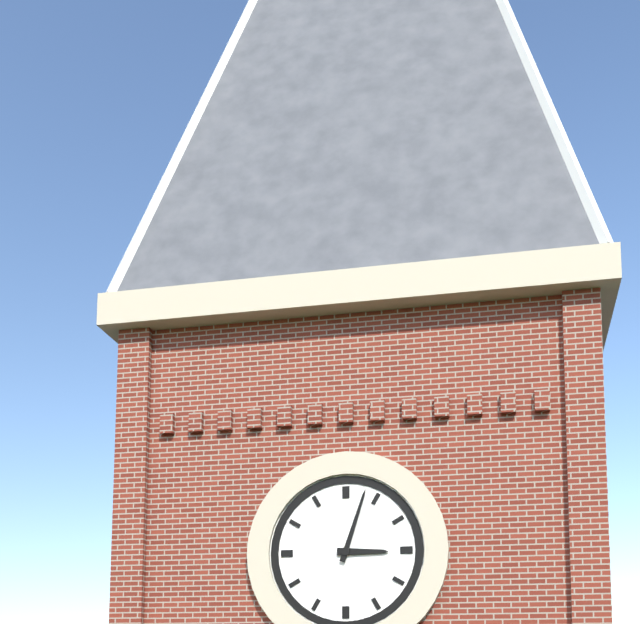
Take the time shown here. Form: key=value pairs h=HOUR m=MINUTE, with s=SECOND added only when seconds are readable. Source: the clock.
h=3 m=3
